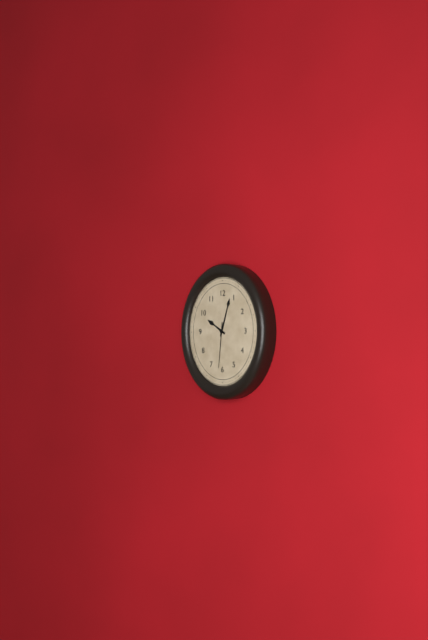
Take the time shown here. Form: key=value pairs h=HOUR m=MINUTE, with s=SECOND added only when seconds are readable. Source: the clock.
h=10 m=3
